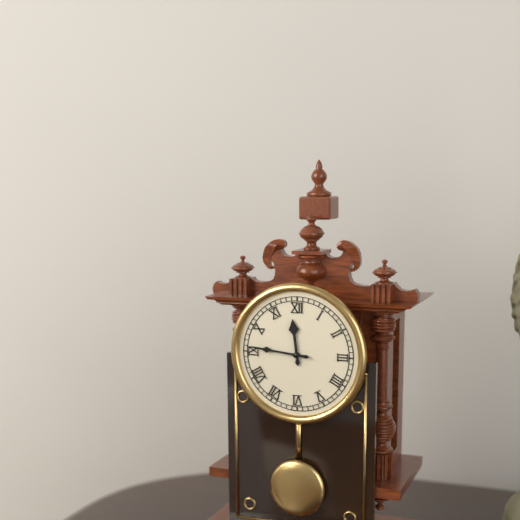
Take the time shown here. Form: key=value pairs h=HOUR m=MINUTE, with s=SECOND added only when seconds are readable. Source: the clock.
h=11 m=46
